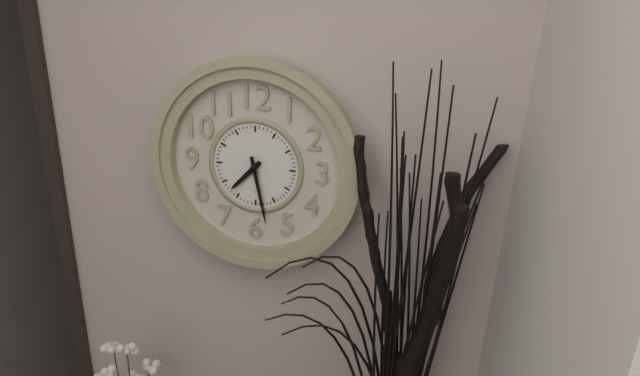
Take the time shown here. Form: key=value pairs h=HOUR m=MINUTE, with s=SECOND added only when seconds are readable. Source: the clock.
h=7 m=28
